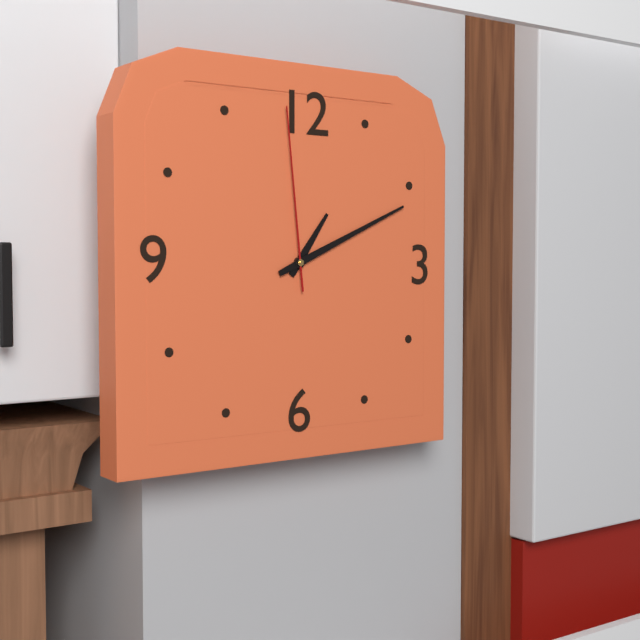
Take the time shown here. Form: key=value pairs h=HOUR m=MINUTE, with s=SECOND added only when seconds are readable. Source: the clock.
h=1 m=11 s=59
